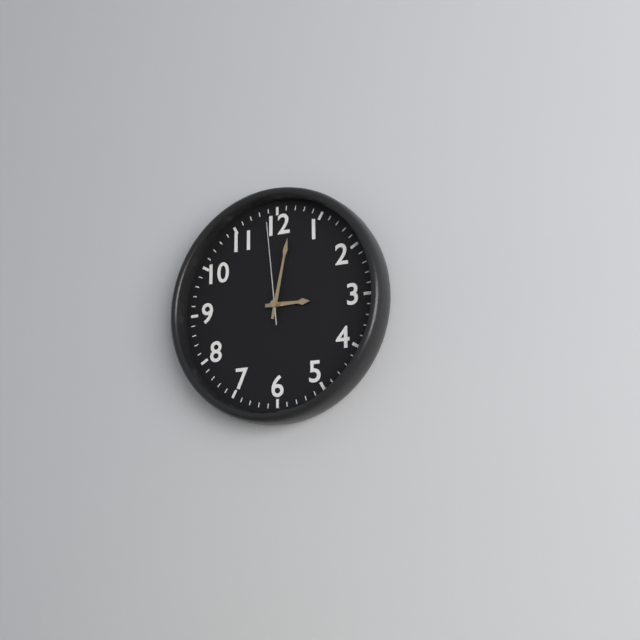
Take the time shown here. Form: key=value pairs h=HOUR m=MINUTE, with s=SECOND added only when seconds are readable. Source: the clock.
h=3 m=2 s=59
